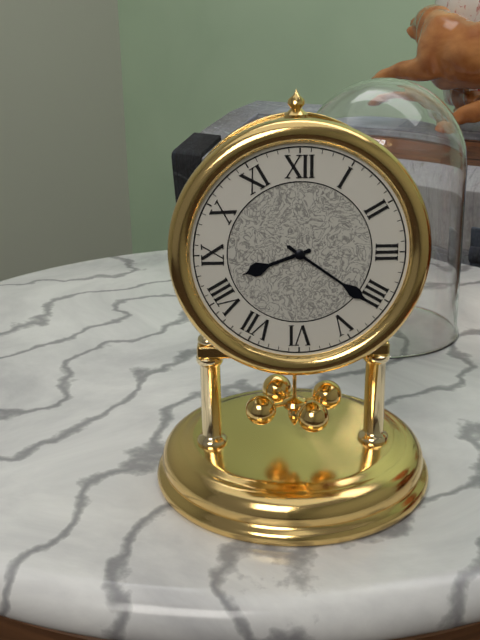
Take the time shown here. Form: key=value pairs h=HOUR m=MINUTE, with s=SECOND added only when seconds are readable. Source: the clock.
h=8 m=21
